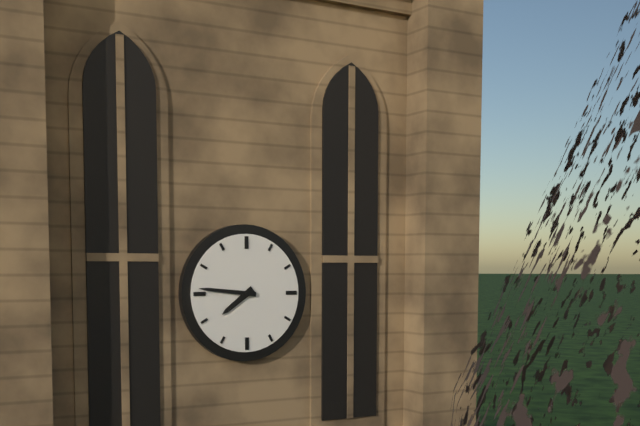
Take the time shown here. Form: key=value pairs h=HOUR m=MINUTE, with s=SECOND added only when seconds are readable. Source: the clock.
h=7 m=46
